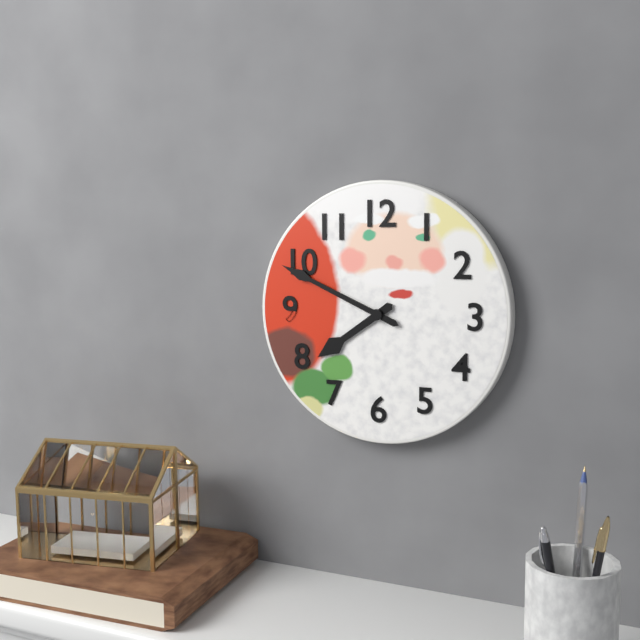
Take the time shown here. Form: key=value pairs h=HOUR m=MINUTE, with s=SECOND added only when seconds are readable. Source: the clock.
h=7 m=49
